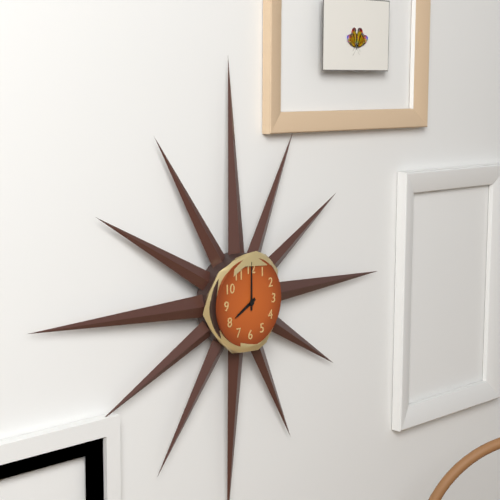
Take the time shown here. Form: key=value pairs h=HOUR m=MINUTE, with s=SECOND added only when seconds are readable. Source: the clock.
h=8 m=0
